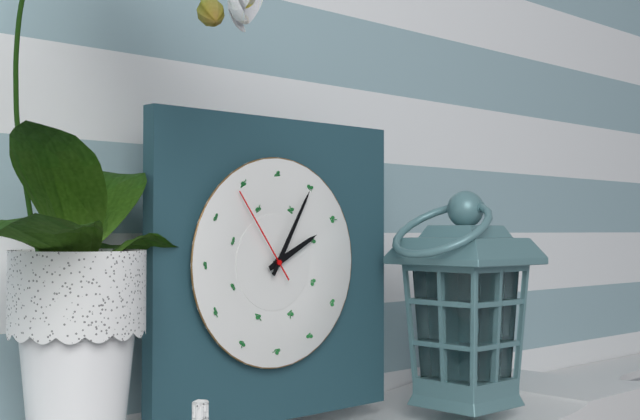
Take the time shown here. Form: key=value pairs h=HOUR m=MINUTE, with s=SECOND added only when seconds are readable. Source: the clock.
h=2 m=5 s=54
